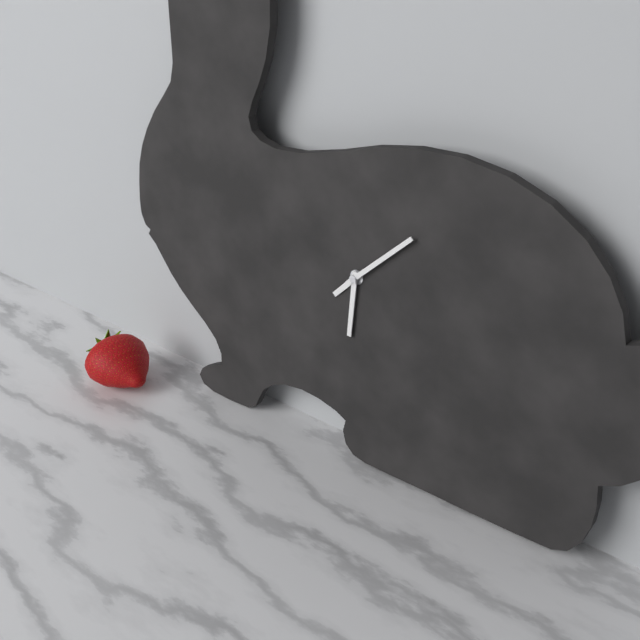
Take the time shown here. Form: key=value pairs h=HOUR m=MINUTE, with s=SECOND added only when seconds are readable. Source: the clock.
h=7 m=31 s=8
